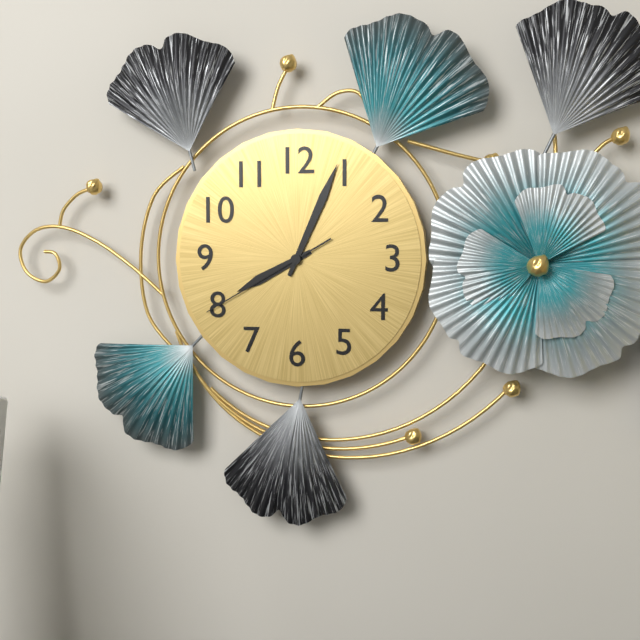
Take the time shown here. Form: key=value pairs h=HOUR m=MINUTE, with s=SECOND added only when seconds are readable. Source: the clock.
h=8 m=4 s=40
